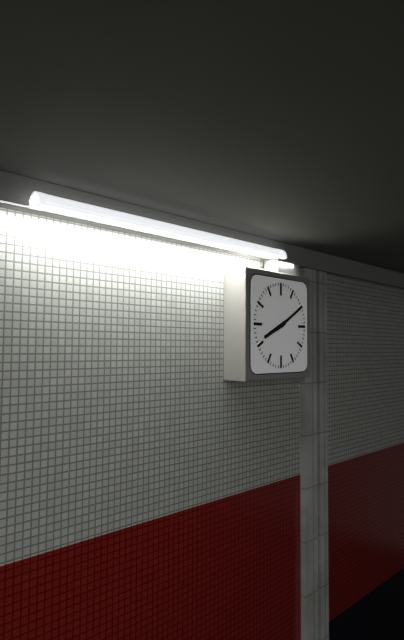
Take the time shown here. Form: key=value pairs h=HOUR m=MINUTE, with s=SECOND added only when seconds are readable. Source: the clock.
h=8 m=10
